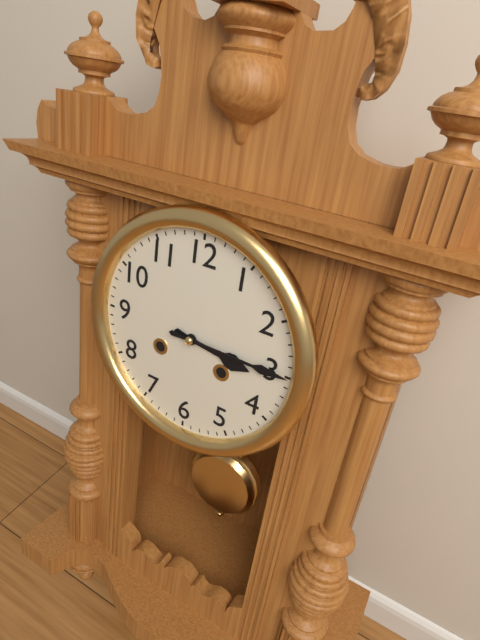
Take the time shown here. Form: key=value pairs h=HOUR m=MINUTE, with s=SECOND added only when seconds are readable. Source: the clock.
h=3 m=15
